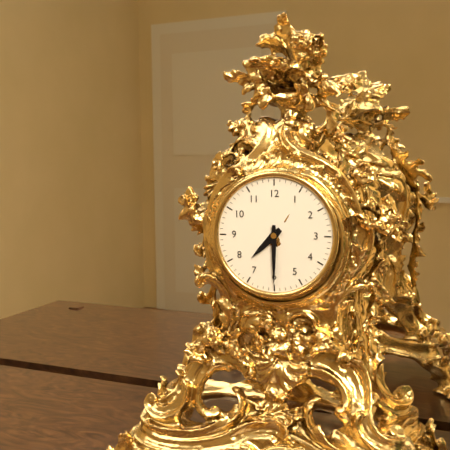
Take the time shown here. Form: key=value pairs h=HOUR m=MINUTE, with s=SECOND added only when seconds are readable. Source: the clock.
h=7 m=30
